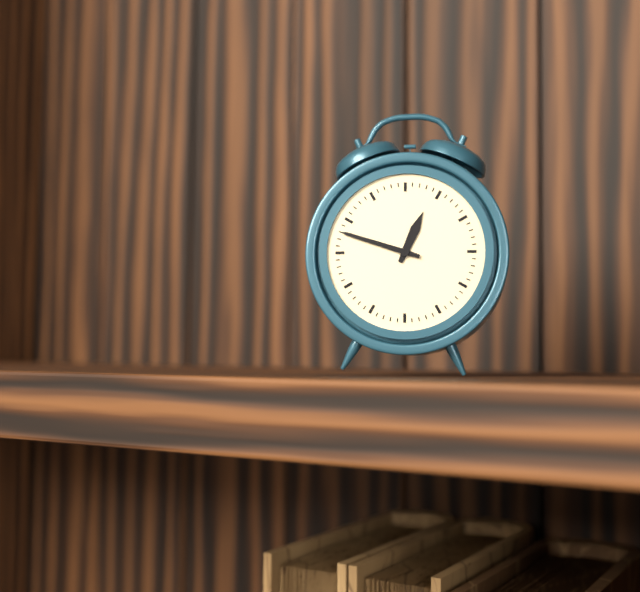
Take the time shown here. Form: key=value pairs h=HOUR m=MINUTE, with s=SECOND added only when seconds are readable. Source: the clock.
h=12 m=48
